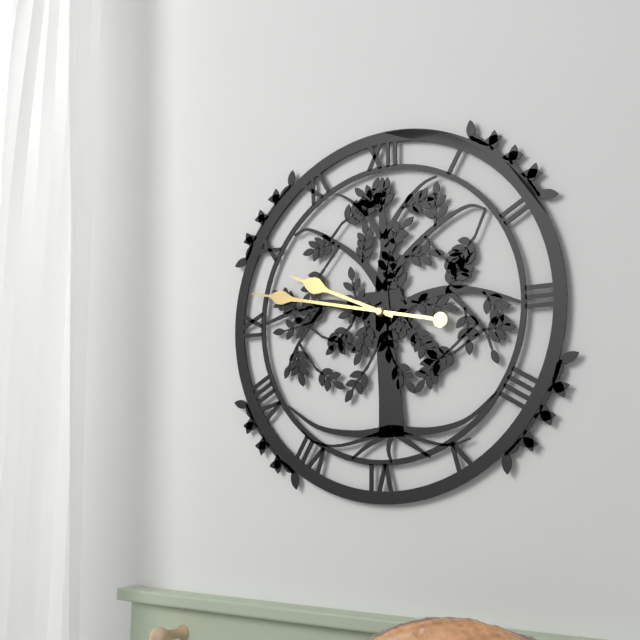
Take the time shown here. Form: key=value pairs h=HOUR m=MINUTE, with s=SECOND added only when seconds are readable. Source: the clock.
h=9 m=47
